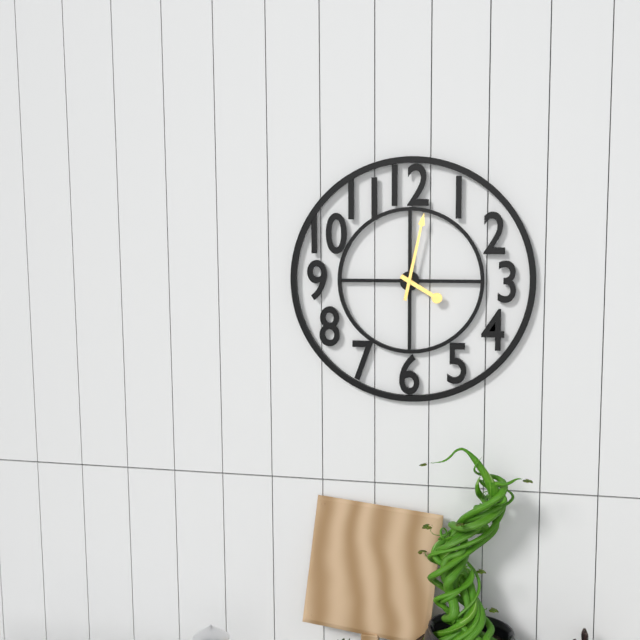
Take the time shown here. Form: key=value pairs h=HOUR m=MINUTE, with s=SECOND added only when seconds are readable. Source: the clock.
h=4 m=2
